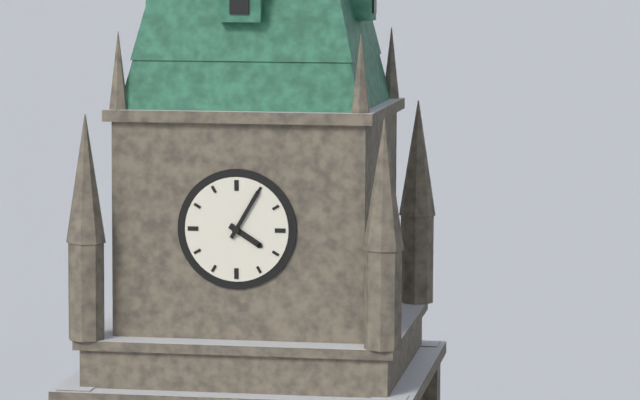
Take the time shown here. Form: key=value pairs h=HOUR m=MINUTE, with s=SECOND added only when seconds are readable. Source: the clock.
h=4 m=5
